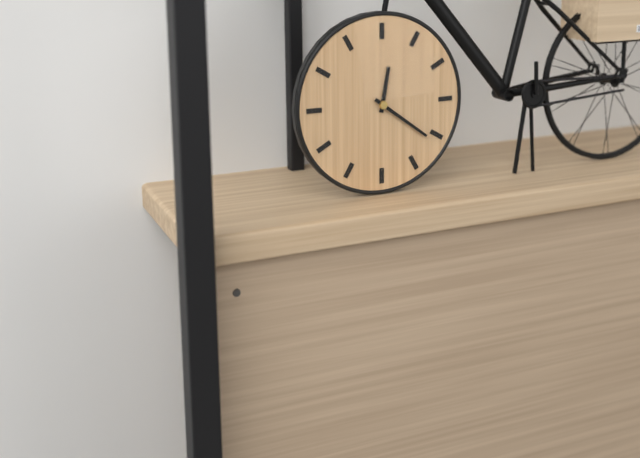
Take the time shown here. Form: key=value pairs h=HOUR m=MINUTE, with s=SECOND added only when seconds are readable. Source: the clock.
h=12 m=21
